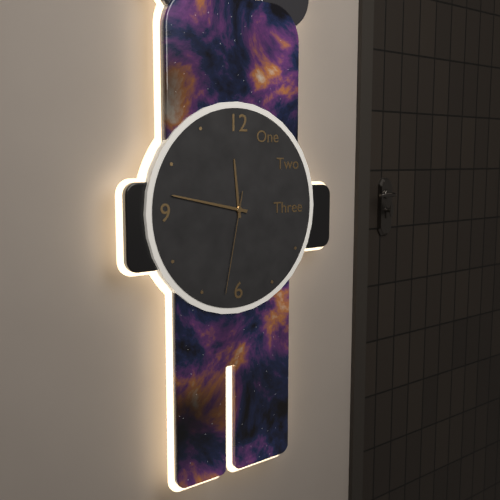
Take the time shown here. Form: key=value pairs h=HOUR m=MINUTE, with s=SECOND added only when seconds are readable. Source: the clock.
h=11 m=47 s=32
